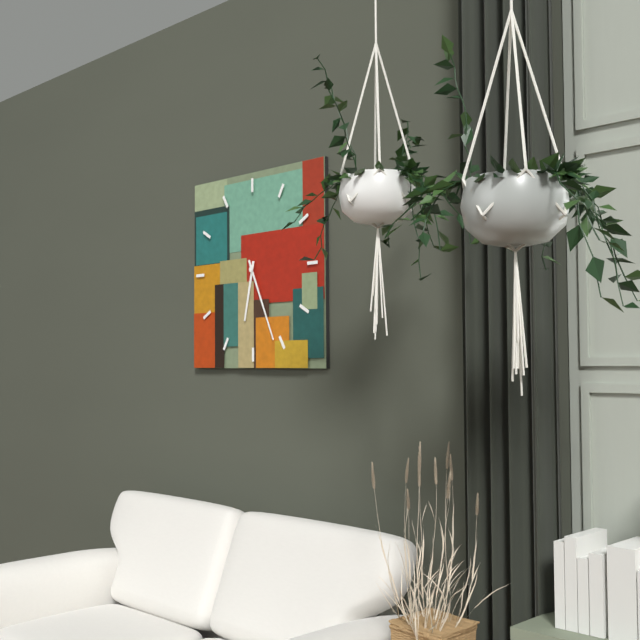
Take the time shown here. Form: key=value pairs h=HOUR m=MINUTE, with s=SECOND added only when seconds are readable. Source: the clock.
h=6 m=26
